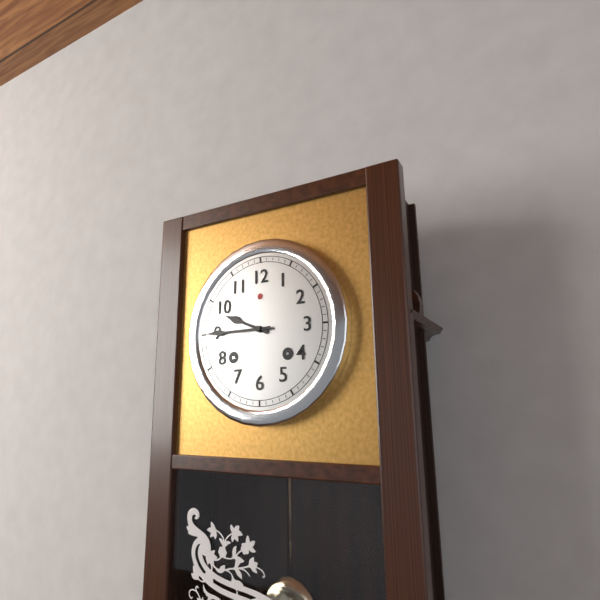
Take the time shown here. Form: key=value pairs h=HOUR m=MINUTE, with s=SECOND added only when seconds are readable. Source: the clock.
h=9 m=45
